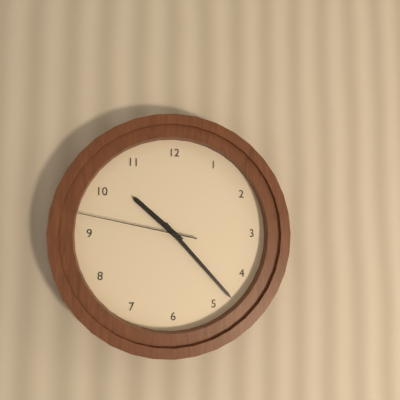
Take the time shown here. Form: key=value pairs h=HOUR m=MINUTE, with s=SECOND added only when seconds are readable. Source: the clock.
h=10 m=23 s=47
